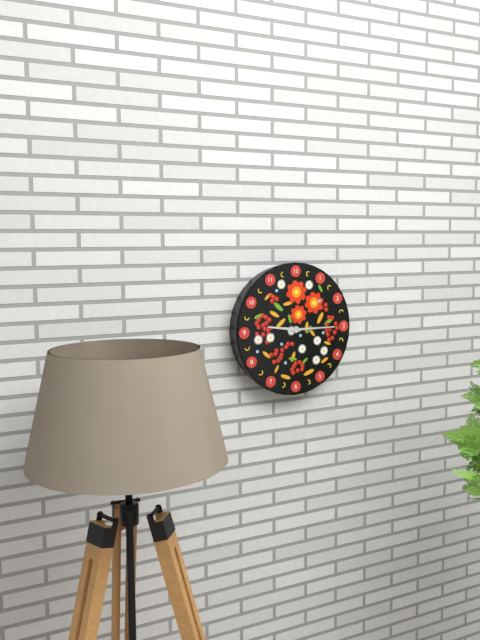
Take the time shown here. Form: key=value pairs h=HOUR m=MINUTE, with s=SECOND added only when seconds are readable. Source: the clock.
h=9 m=15
